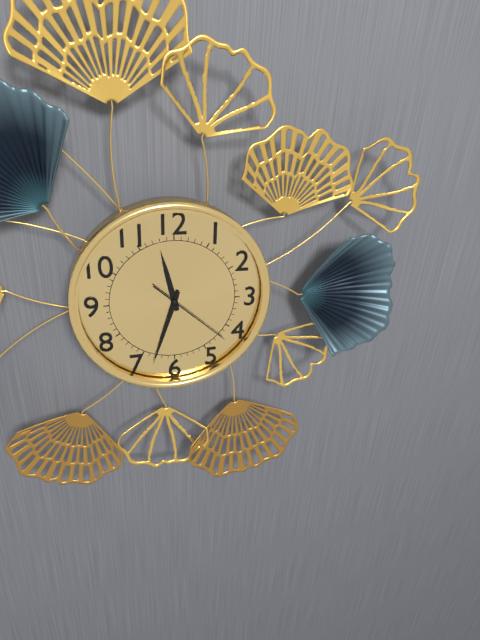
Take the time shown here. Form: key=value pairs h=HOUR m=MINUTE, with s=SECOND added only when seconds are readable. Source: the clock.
h=11 m=33 s=22
